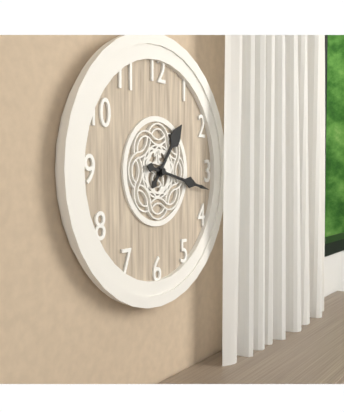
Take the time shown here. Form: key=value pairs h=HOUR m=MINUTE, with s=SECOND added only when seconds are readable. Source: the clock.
h=1 m=17
